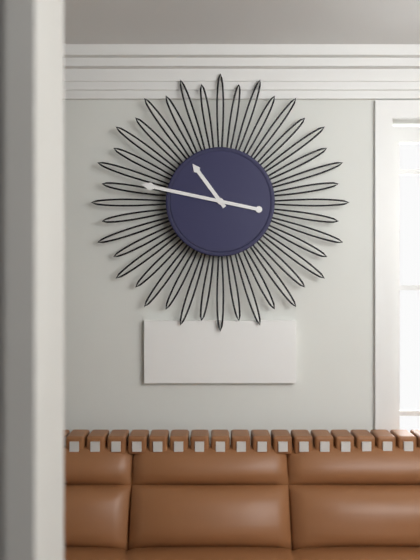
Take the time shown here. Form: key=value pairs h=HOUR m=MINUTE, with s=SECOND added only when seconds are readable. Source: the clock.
h=10 m=47
